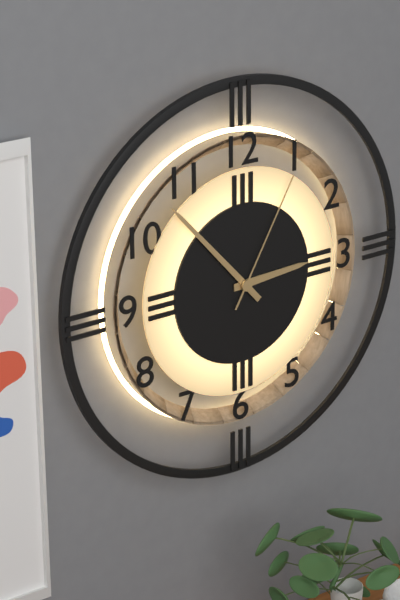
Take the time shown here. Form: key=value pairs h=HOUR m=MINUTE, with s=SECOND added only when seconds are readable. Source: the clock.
h=2 m=53 s=5
